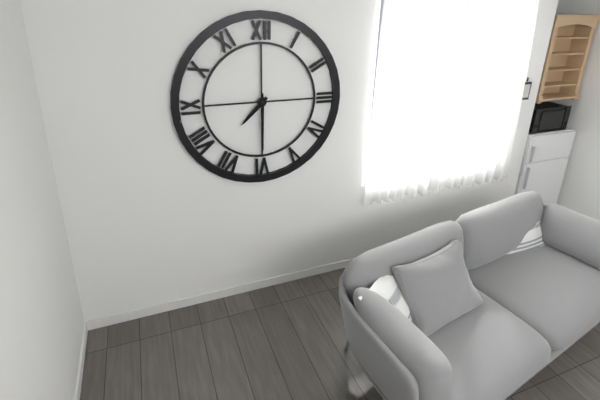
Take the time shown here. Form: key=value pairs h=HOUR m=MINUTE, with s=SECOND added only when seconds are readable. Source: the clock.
h=7 m=30
